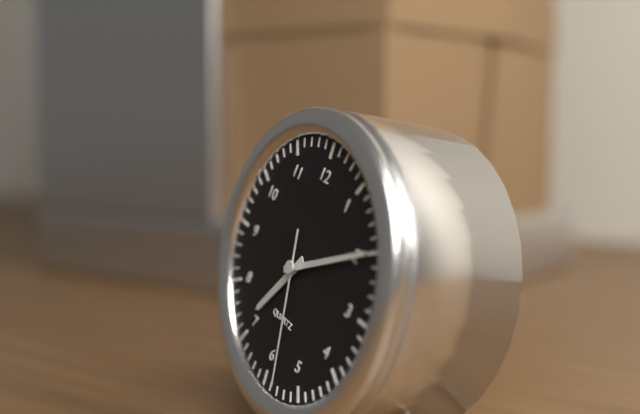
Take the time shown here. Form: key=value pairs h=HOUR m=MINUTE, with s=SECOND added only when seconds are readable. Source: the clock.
h=7 m=10 s=28
